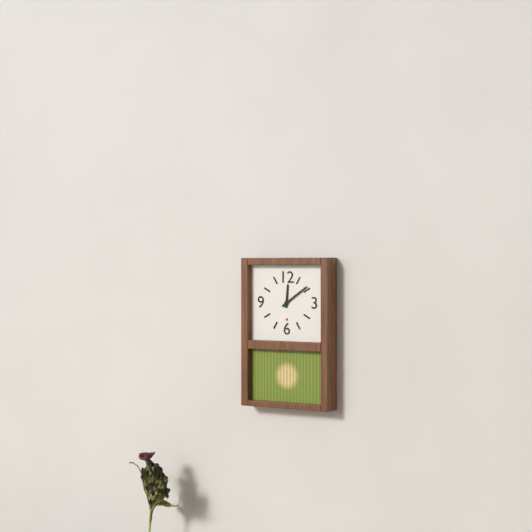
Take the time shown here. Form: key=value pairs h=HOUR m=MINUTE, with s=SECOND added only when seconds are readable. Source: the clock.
h=12 m=9
